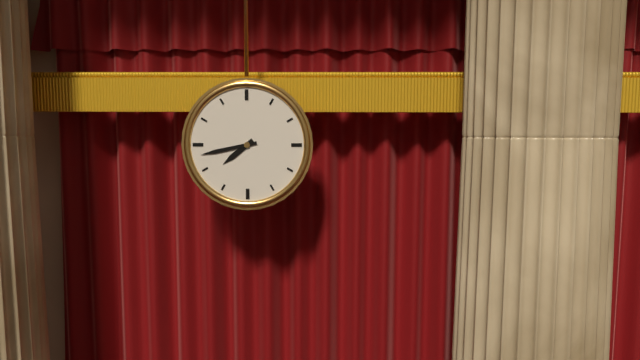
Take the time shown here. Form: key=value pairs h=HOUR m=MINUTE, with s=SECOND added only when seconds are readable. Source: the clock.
h=7 m=43
